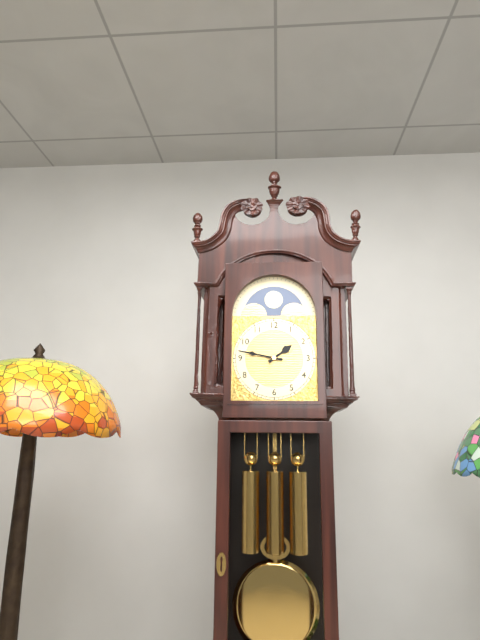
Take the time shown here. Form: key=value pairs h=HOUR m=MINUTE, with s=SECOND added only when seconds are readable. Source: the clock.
h=1 m=47
